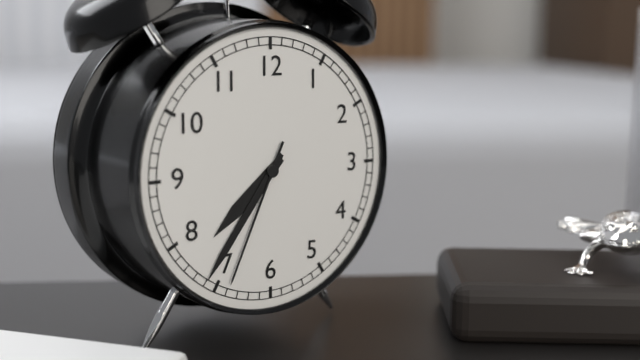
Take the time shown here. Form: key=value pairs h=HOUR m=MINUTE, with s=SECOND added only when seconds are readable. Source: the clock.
h=7 m=36 s=34
